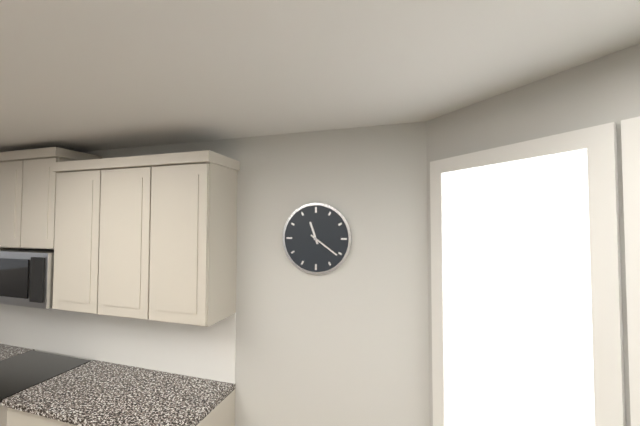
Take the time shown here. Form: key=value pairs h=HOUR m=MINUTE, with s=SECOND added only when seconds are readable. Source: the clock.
h=11 m=21
